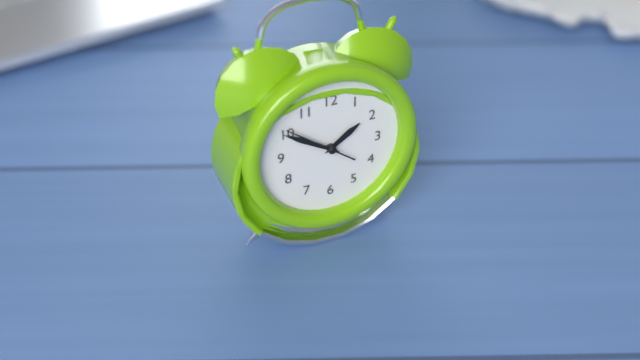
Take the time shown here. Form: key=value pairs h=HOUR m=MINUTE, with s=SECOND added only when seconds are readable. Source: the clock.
h=1 m=50 s=51
